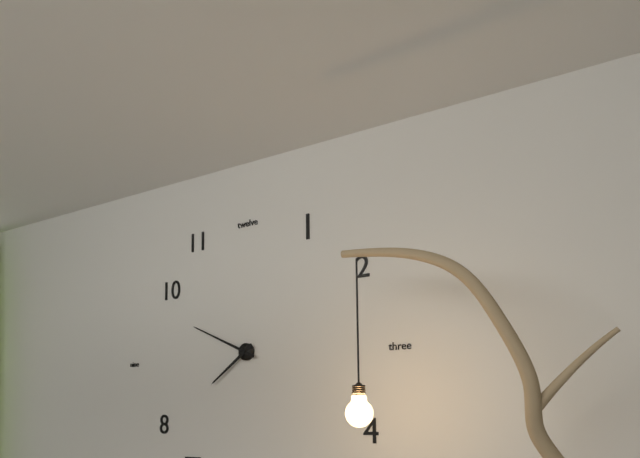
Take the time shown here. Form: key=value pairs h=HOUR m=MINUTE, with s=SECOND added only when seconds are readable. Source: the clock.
h=7 m=49
